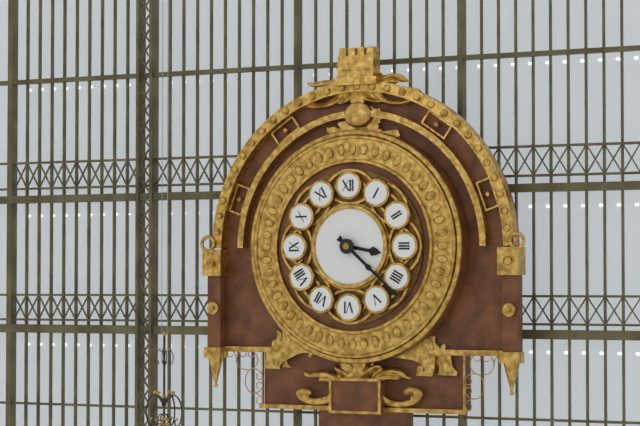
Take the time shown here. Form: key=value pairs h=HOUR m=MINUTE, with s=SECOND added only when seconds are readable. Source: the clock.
h=3 m=22
